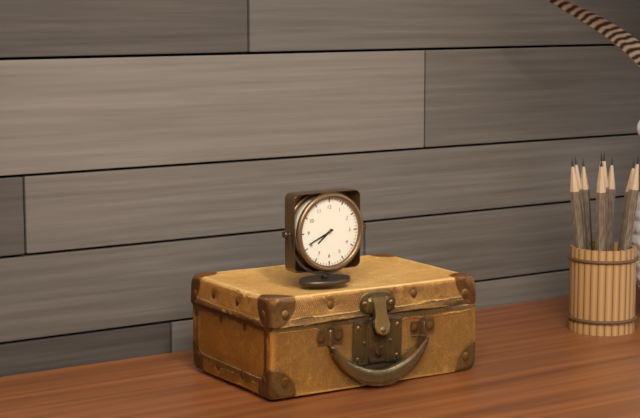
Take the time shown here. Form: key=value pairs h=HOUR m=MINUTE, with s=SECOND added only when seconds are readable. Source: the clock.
h=7 m=41
